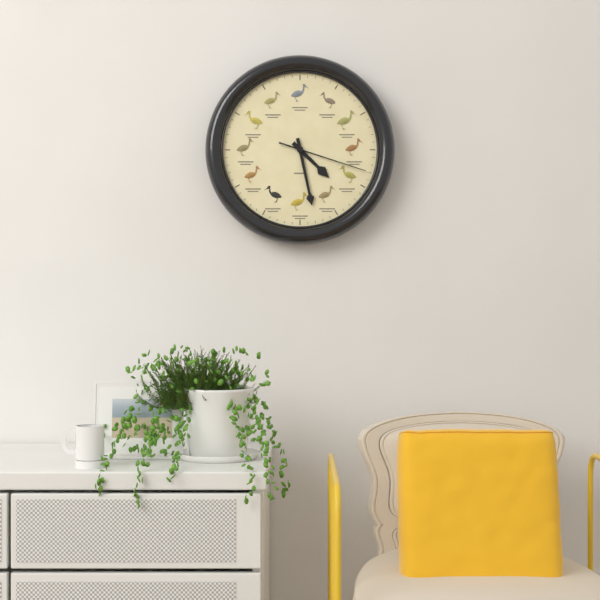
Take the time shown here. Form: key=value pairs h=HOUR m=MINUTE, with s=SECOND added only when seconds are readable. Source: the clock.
h=4 m=28 s=18
